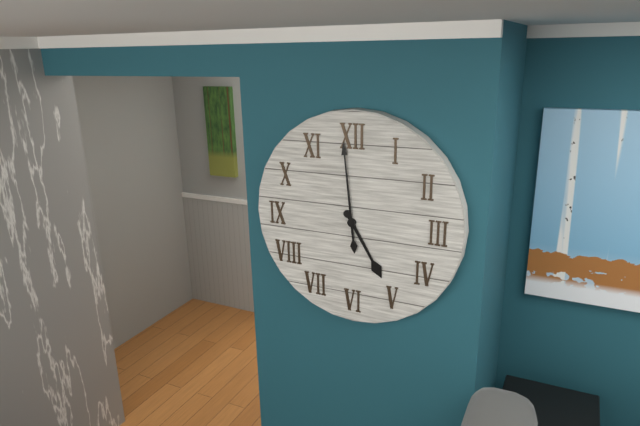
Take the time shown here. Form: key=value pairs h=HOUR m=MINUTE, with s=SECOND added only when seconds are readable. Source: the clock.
h=4 m=59
